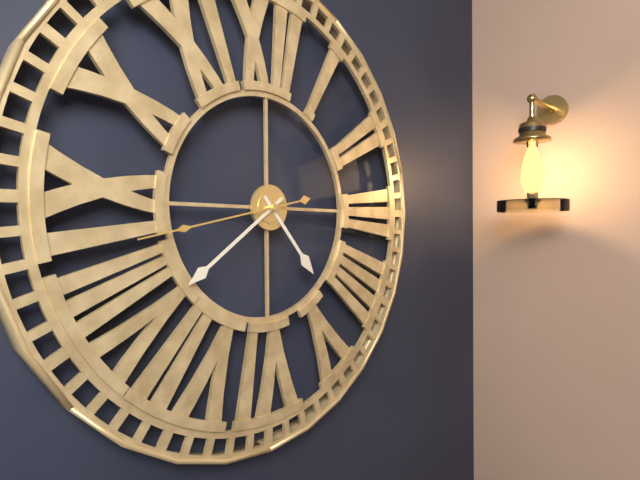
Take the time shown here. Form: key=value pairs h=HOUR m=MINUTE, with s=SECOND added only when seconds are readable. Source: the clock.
h=4 m=39 s=43
